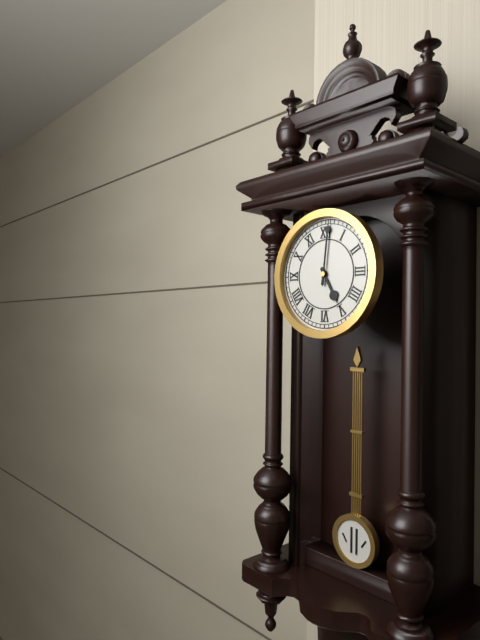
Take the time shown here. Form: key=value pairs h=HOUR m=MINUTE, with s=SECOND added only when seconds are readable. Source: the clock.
h=5 m=1
